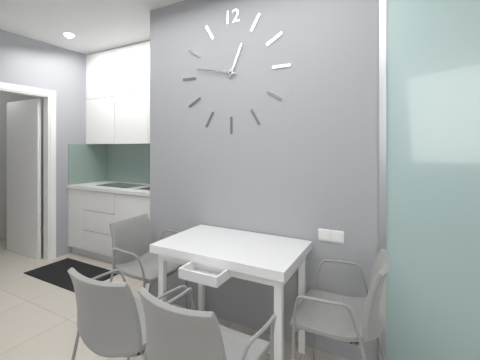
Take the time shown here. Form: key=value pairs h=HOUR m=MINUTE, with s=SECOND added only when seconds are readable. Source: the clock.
h=12 m=47
